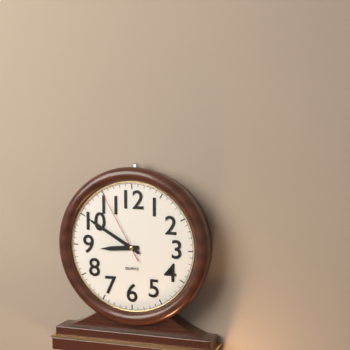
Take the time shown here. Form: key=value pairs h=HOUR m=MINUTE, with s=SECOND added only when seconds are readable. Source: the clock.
h=8 m=50 s=55
